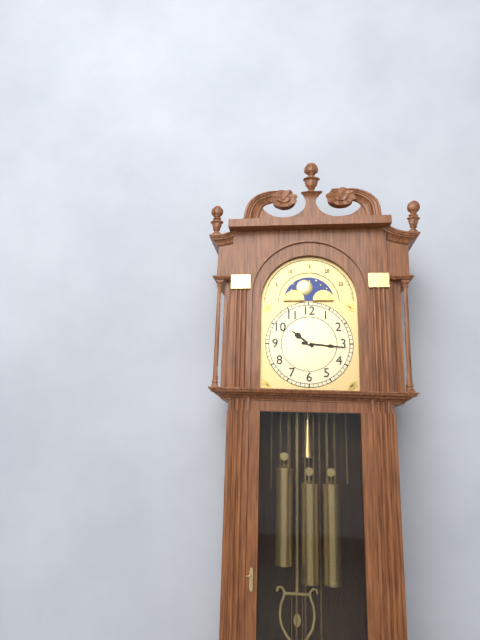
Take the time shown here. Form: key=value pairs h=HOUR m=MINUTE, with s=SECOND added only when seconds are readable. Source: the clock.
h=10 m=16
